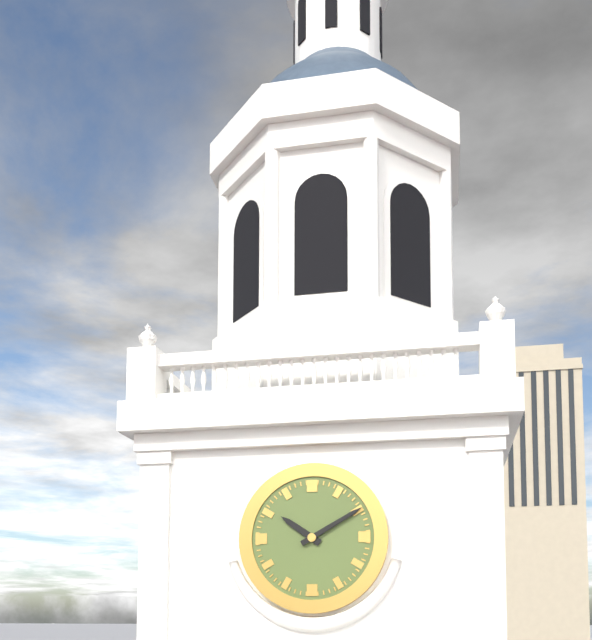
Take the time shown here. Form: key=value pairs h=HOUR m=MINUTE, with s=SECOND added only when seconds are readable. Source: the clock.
h=10 m=10
